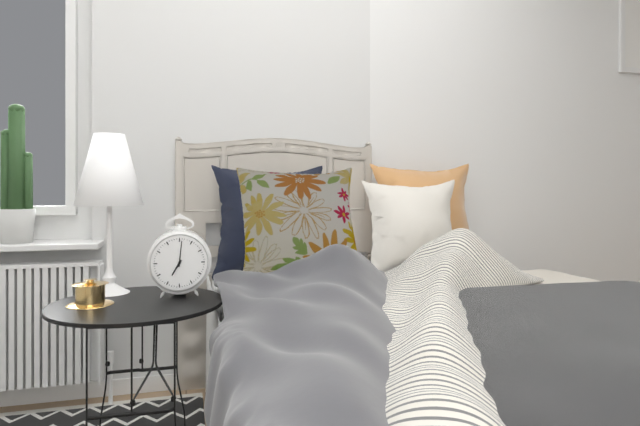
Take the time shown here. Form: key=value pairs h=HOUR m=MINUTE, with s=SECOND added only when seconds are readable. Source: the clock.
h=7 m=1
